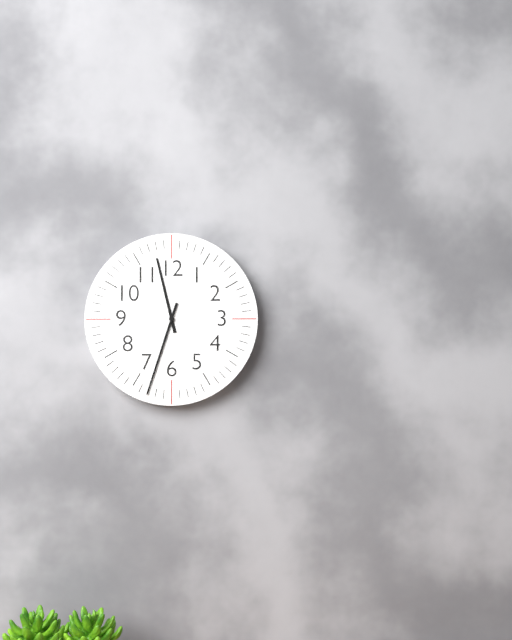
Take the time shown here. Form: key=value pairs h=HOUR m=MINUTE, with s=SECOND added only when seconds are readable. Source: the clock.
h=11 m=33
